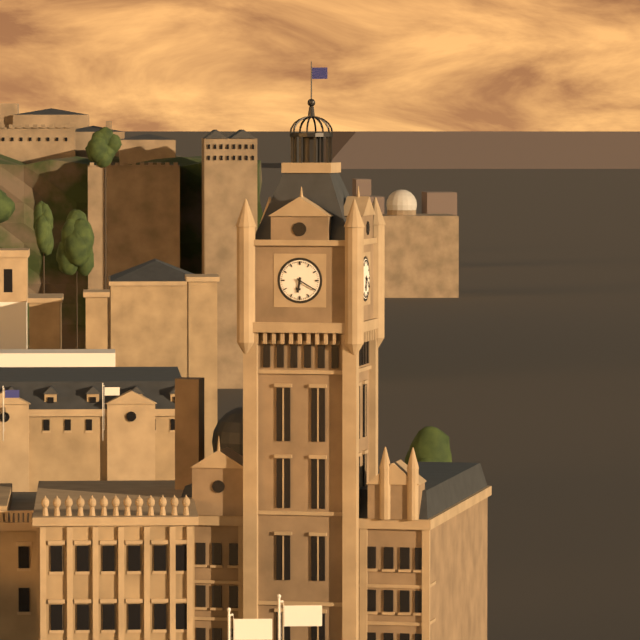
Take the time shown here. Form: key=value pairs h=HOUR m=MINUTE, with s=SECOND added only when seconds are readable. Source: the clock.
h=6 m=20
